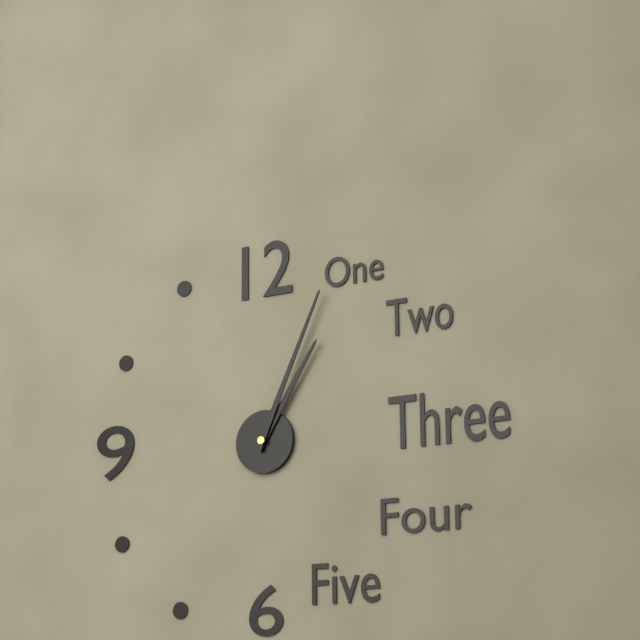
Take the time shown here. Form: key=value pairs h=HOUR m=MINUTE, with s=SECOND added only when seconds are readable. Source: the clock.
h=1 m=4
